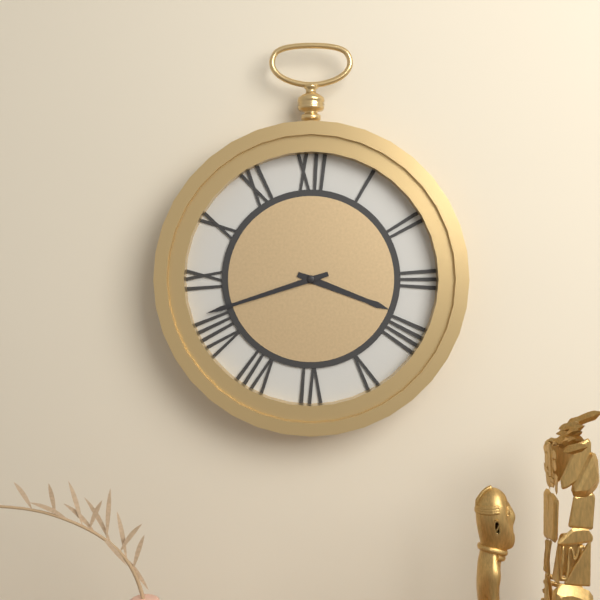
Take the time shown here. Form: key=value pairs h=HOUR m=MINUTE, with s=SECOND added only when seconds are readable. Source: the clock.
h=3 m=42
